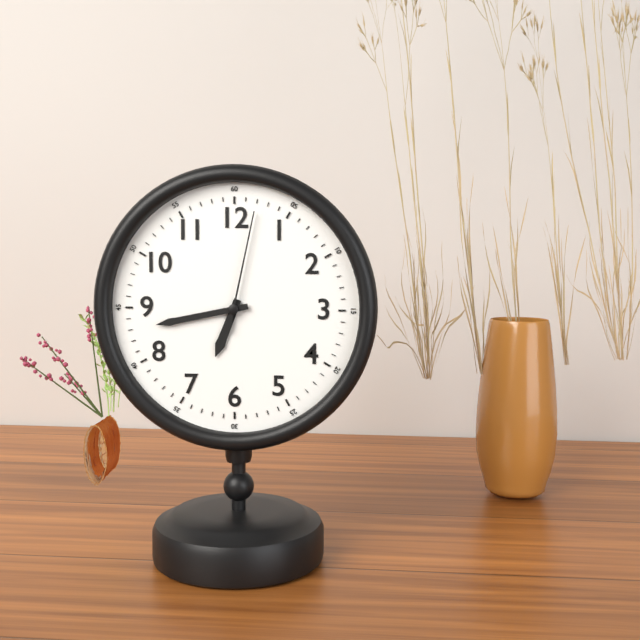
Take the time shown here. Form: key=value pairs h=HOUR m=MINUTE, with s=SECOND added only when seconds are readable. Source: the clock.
h=6 m=43 s=2
